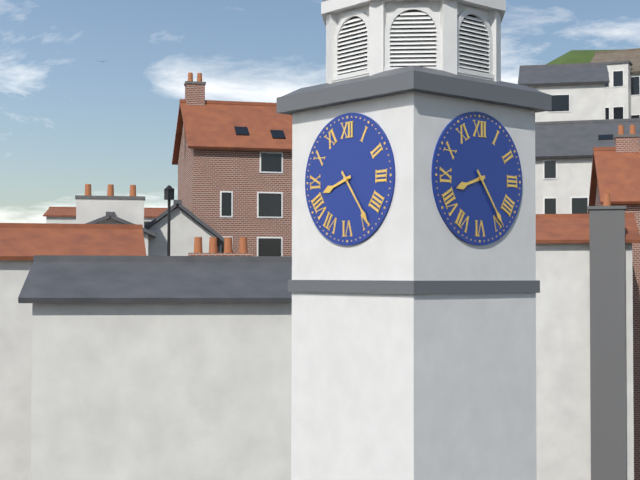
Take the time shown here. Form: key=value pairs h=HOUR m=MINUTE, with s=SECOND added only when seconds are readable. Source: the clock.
h=8 m=24
